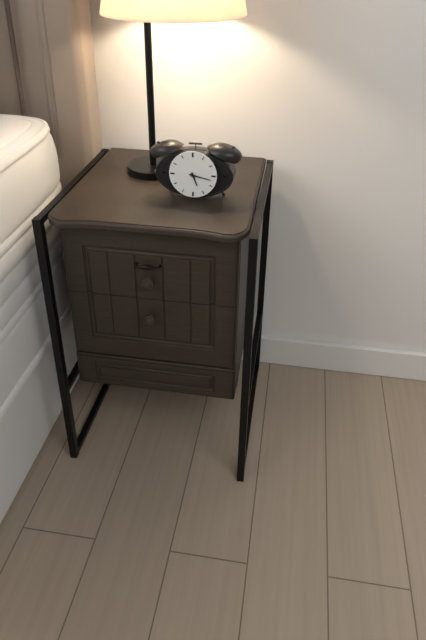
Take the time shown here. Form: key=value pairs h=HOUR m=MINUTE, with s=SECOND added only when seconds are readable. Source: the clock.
h=5 m=17
